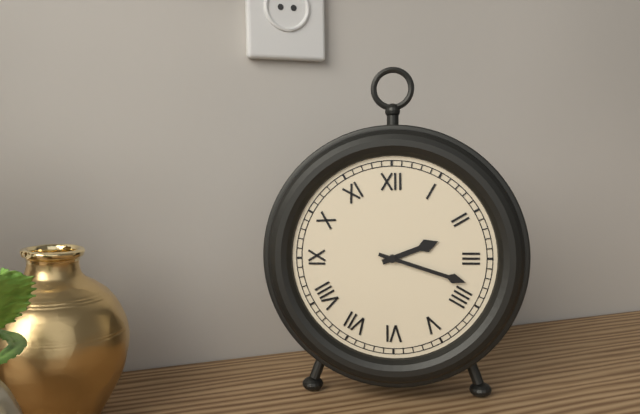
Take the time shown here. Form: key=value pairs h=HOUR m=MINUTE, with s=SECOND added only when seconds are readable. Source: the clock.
h=2 m=18
